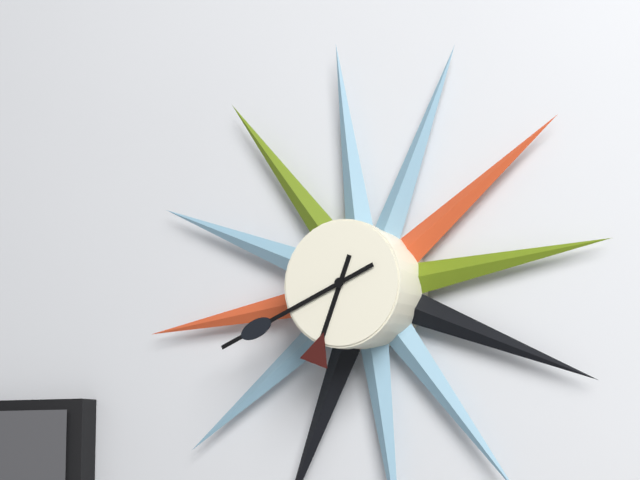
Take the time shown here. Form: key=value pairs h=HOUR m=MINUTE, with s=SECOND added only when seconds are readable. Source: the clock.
h=6 m=41
